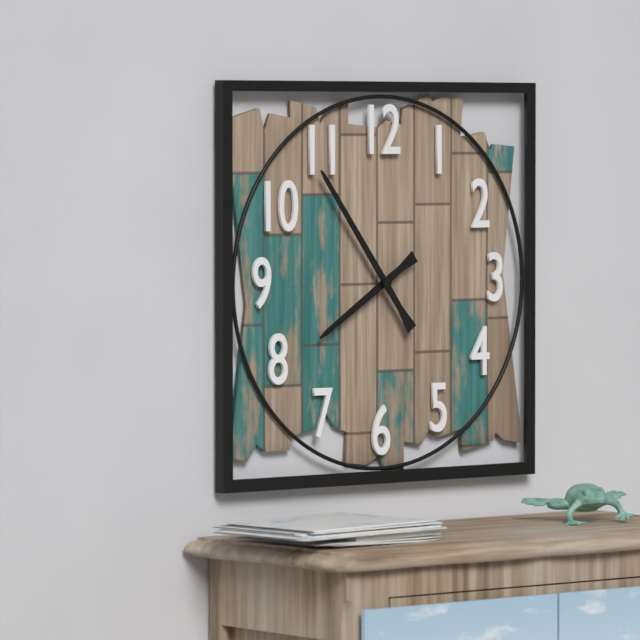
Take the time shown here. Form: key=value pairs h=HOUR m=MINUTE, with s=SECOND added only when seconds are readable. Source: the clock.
h=7 m=54
